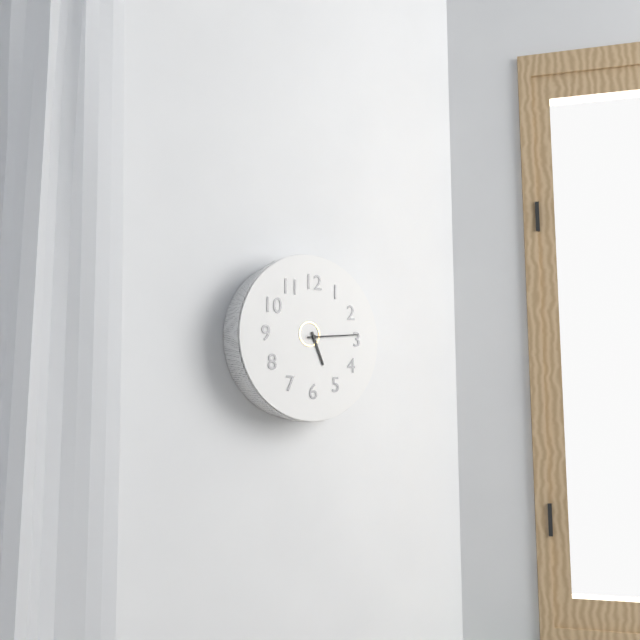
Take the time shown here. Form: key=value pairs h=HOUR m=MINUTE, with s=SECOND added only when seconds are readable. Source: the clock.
h=5 m=14
